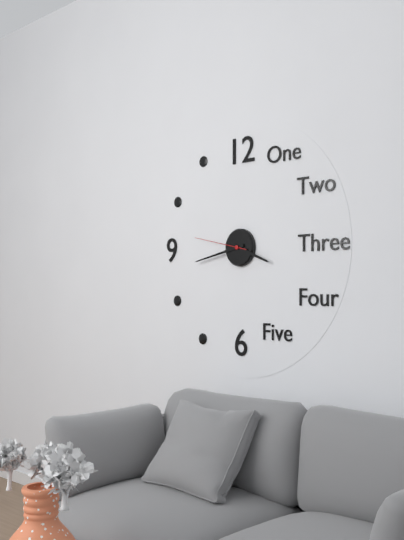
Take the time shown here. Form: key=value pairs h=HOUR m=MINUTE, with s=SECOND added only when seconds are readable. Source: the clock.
h=3 m=43 s=47
